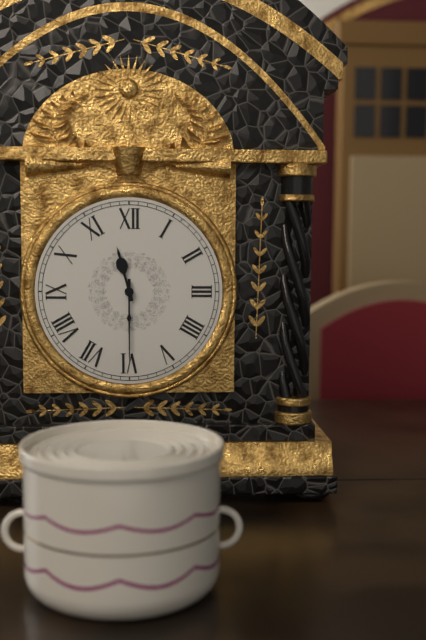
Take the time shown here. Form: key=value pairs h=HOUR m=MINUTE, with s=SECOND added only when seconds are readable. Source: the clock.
h=11 m=30
